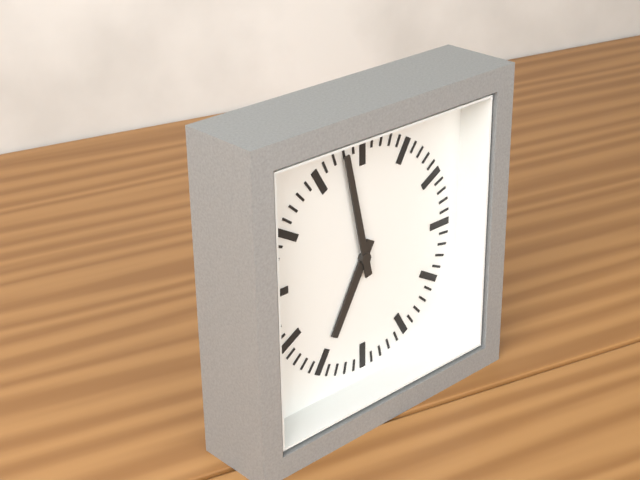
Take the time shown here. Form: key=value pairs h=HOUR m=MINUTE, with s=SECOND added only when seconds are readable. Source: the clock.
h=6 m=58
